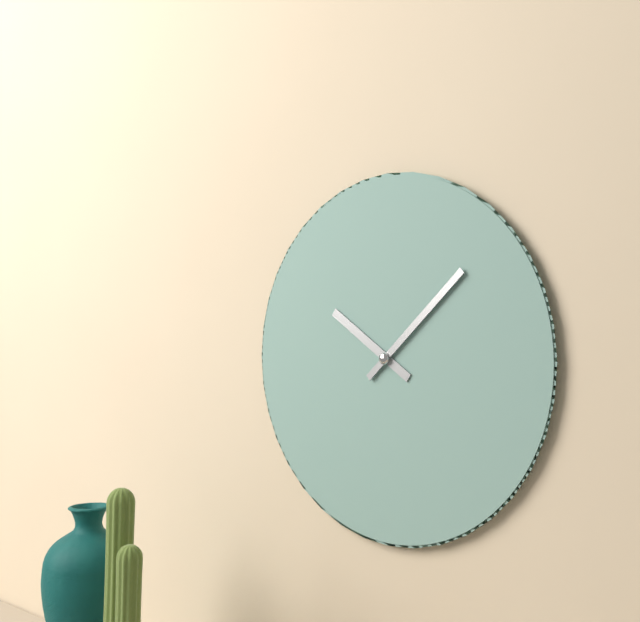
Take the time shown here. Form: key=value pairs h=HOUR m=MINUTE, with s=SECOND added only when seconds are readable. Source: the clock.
h=10 m=8
